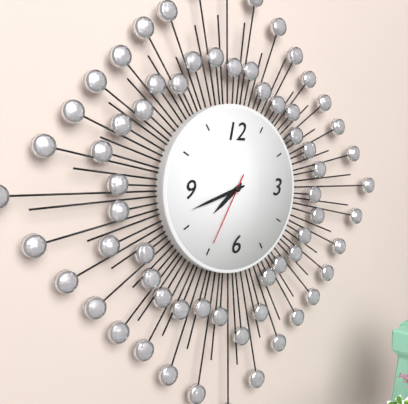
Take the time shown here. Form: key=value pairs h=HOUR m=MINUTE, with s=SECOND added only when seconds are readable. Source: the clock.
h=7 m=42 s=35
